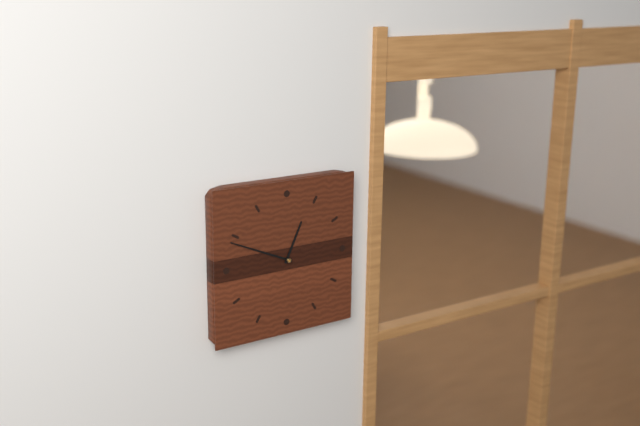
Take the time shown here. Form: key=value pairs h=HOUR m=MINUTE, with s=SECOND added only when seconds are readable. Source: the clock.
h=12 m=49
